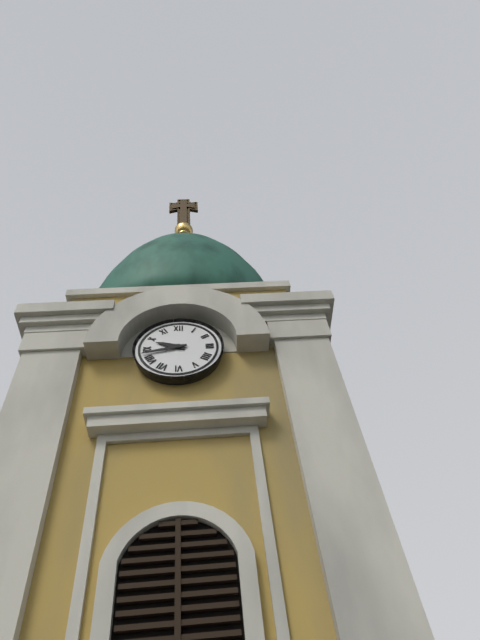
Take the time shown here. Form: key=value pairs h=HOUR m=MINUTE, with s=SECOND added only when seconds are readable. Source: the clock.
h=9 m=43
